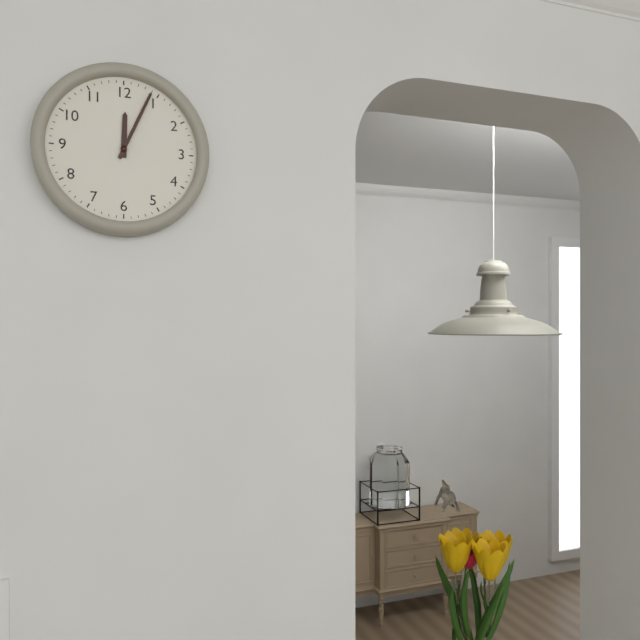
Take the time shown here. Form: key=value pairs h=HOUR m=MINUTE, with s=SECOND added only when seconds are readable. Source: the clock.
h=12 m=4
